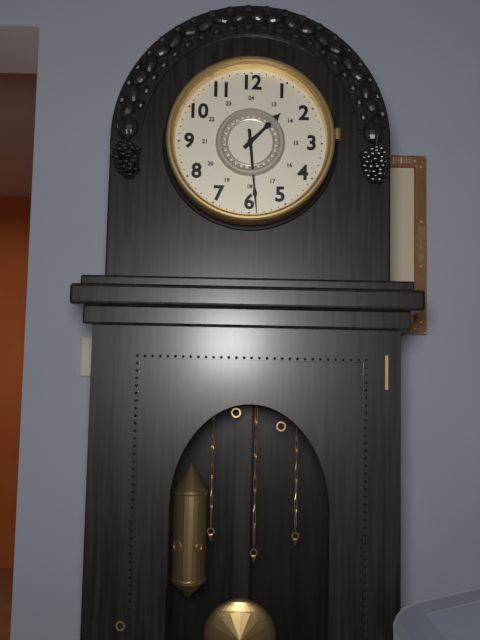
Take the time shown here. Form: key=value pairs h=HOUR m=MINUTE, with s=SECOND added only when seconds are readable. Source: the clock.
h=1 m=29
